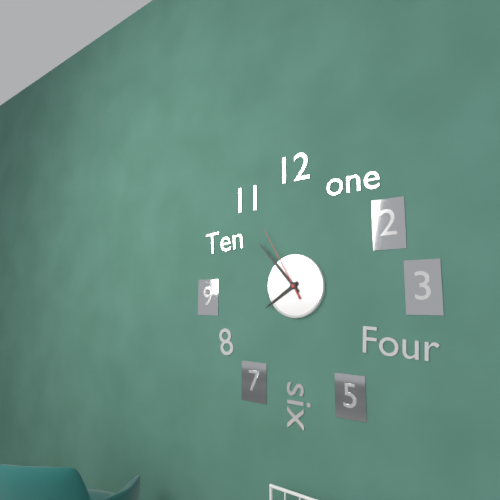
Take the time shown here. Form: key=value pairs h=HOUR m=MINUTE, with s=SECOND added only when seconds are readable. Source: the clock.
h=7 m=53 s=55
